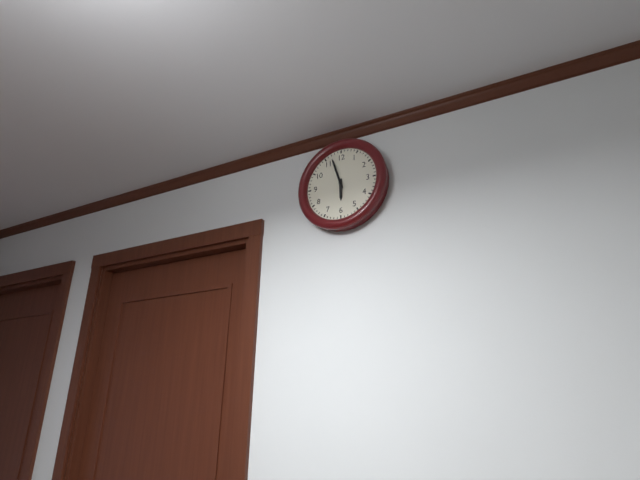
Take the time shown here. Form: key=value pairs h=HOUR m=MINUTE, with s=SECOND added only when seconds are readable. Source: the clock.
h=5 m=57
